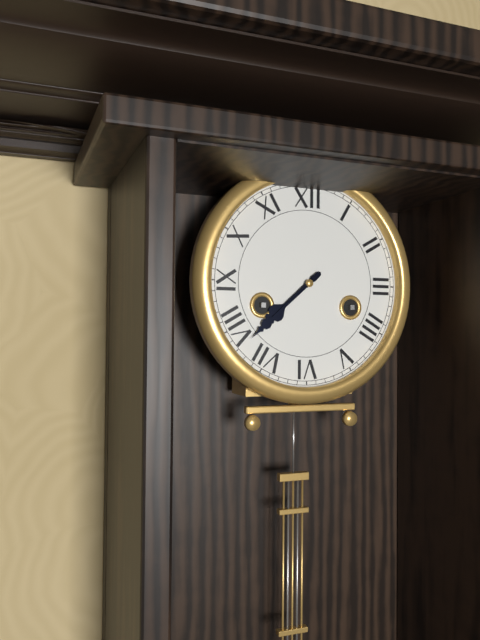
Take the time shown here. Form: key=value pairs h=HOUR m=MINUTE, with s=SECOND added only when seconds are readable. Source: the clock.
h=7 m=38
